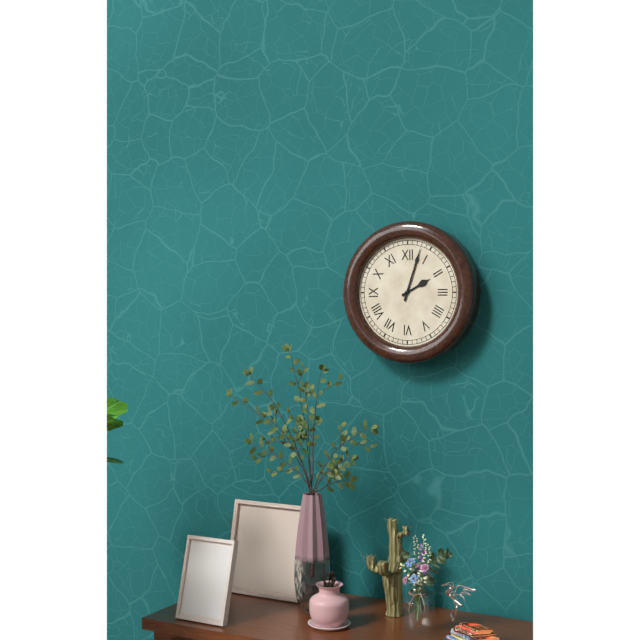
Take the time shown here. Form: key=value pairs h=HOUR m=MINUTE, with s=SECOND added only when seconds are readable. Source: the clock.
h=2 m=3
